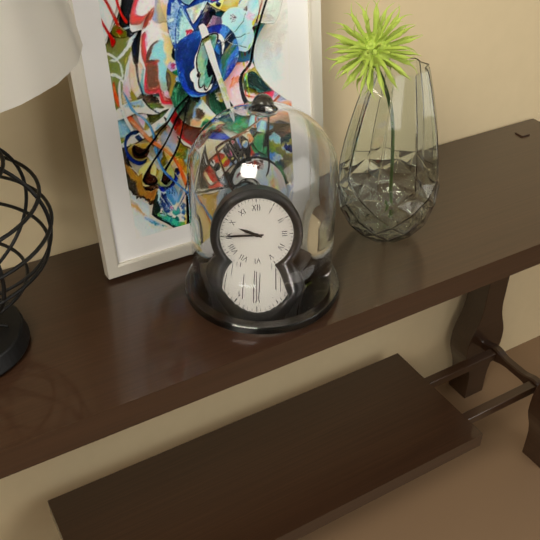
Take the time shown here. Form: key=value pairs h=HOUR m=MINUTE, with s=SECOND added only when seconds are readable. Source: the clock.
h=9 m=45
